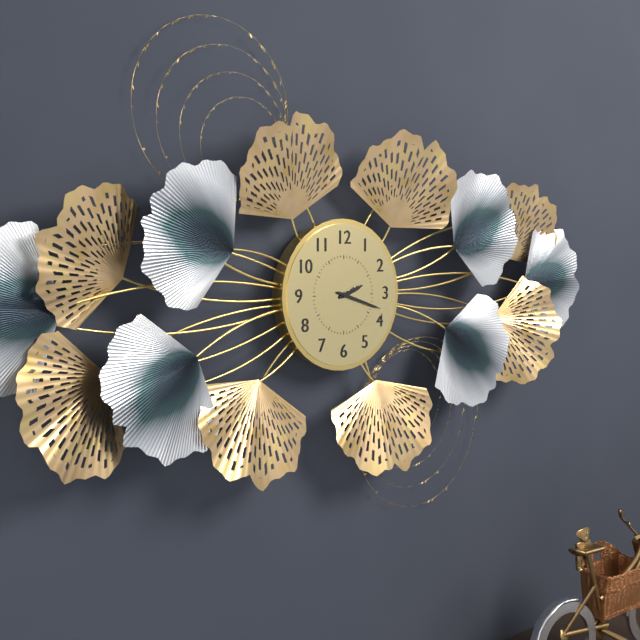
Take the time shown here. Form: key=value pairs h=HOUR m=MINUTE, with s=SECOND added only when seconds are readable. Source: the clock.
h=2 m=18
